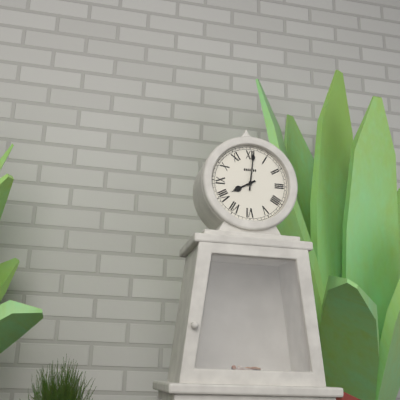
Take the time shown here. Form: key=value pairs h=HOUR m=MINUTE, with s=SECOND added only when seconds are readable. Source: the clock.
h=8 m=1
